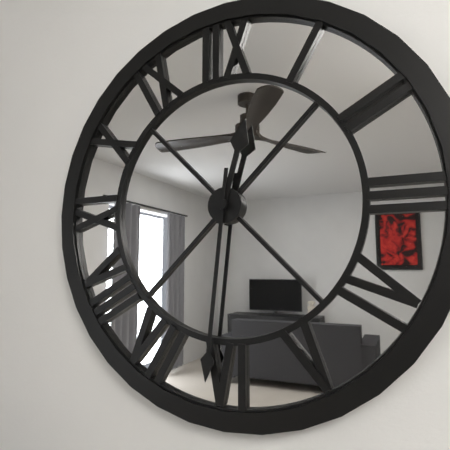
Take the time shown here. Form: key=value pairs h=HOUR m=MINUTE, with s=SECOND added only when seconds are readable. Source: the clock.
h=12 m=31
